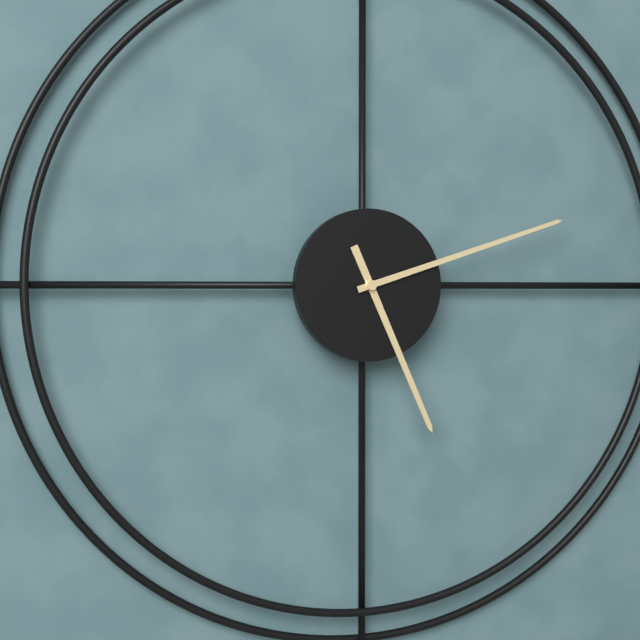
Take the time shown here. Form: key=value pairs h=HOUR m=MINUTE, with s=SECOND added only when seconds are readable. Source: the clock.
h=5 m=12
